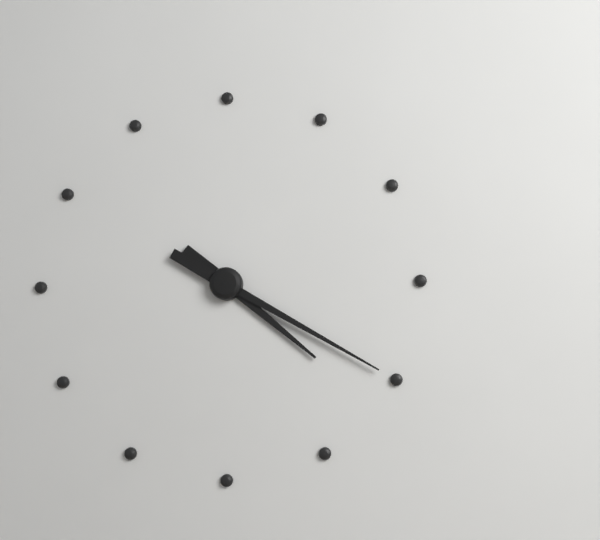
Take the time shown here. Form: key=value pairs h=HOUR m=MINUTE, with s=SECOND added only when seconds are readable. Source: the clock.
h=4 m=20
